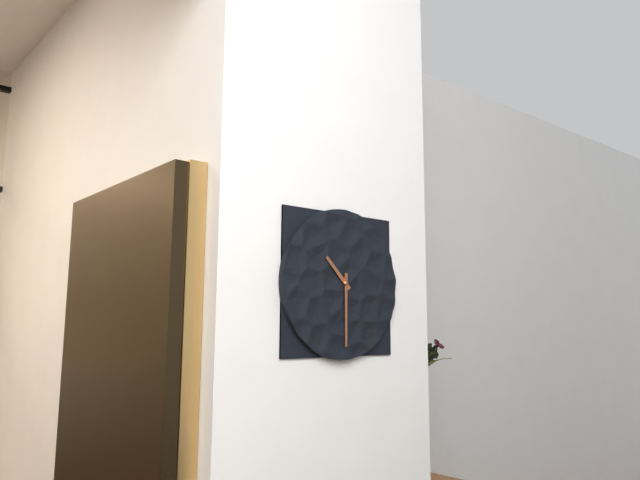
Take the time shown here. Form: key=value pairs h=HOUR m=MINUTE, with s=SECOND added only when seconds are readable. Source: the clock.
h=10 m=30
